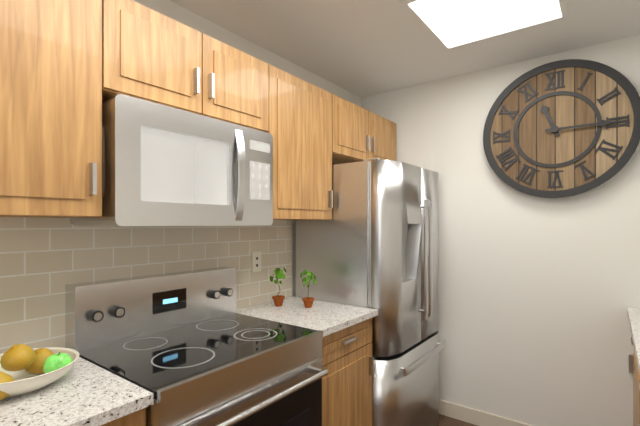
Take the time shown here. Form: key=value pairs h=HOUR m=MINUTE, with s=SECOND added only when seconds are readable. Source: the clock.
h=11 m=15
